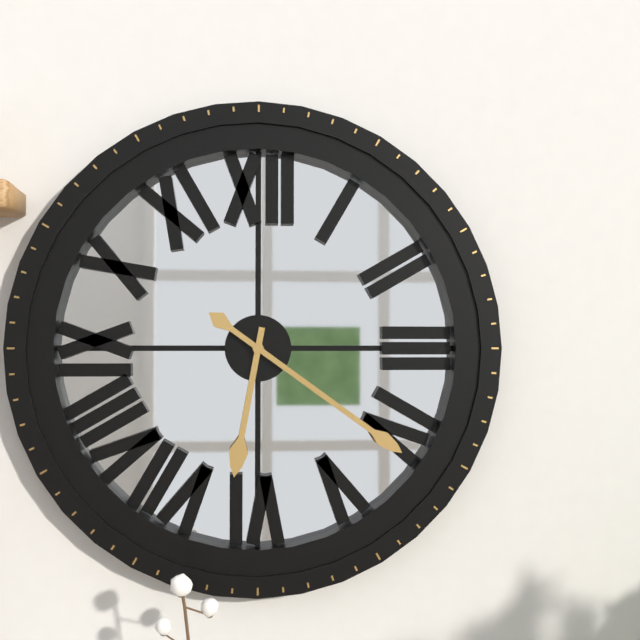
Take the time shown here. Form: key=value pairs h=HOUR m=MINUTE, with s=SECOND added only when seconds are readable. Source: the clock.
h=6 m=21
